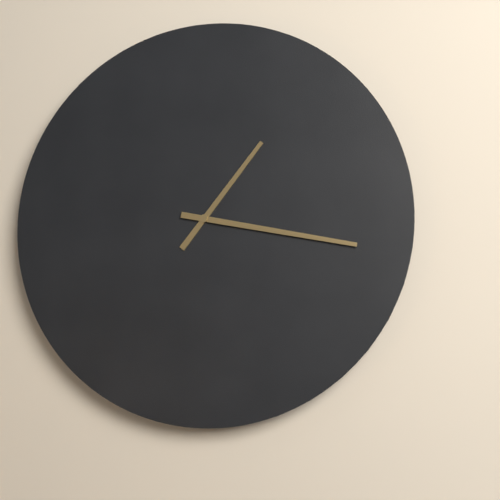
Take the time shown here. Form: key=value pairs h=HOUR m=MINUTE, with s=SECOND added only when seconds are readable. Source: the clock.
h=1 m=17
